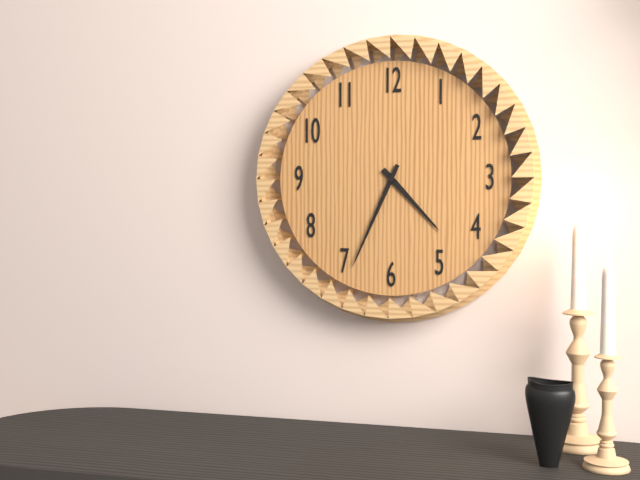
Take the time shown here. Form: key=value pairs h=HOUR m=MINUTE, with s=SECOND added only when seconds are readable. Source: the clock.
h=4 m=34
